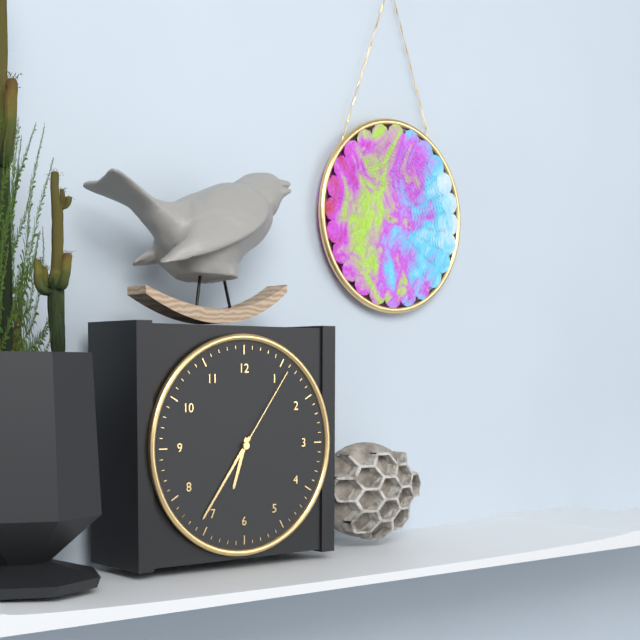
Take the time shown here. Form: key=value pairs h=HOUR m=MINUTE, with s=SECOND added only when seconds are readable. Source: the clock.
h=6 m=36 s=6
